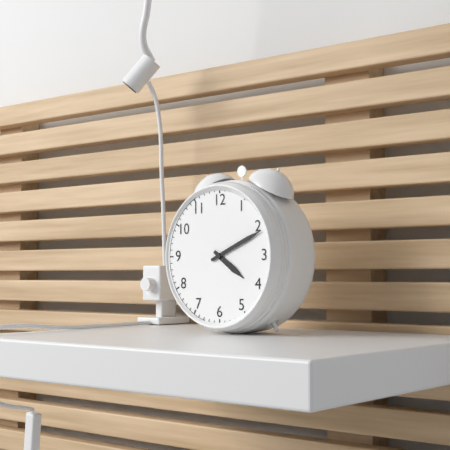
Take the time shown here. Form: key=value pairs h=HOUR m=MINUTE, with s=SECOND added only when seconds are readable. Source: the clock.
h=4 m=11
